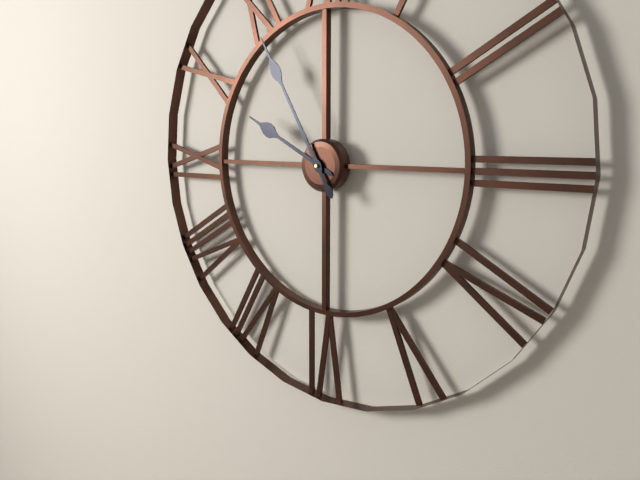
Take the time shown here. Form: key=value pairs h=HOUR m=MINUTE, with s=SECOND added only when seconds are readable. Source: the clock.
h=9 m=55
